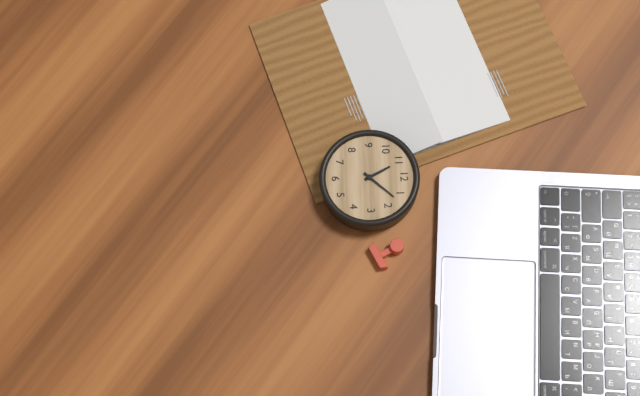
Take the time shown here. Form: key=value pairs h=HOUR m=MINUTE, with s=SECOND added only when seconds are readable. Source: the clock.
h=11 m=7
